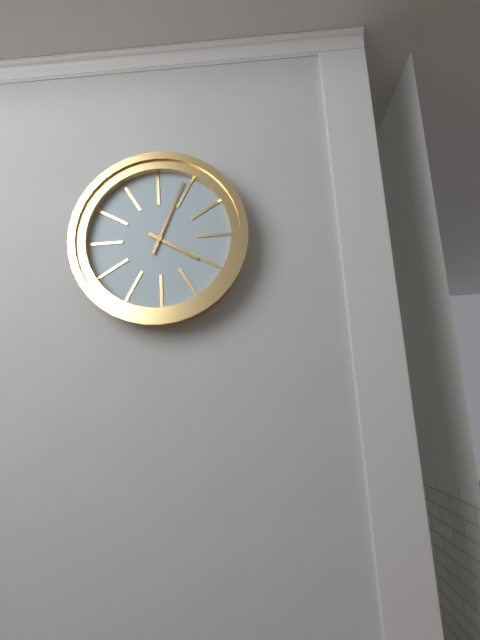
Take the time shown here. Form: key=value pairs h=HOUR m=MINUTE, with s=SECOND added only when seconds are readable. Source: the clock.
h=4 m=4
